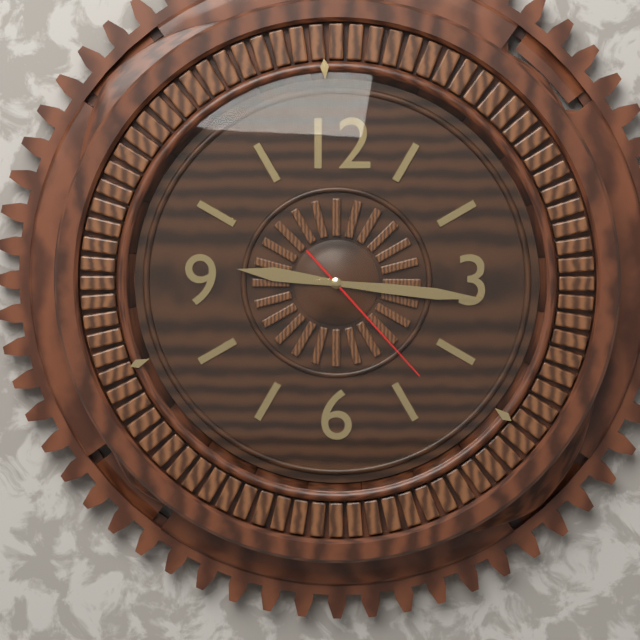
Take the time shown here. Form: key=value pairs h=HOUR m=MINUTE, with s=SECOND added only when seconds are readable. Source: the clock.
h=9 m=16 s=23
